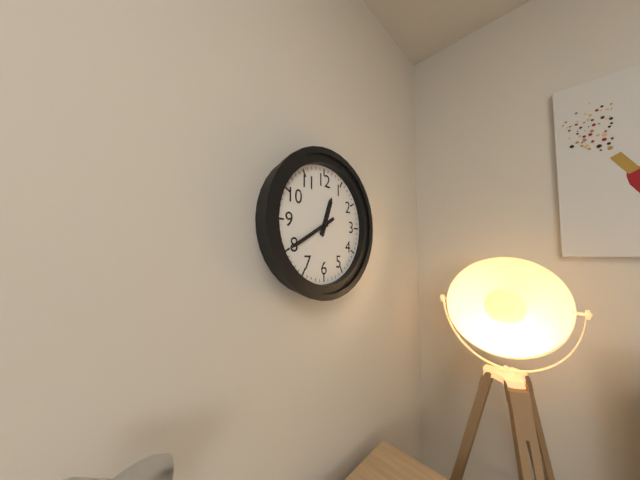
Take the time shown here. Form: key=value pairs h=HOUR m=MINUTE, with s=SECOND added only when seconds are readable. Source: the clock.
h=12 m=40
